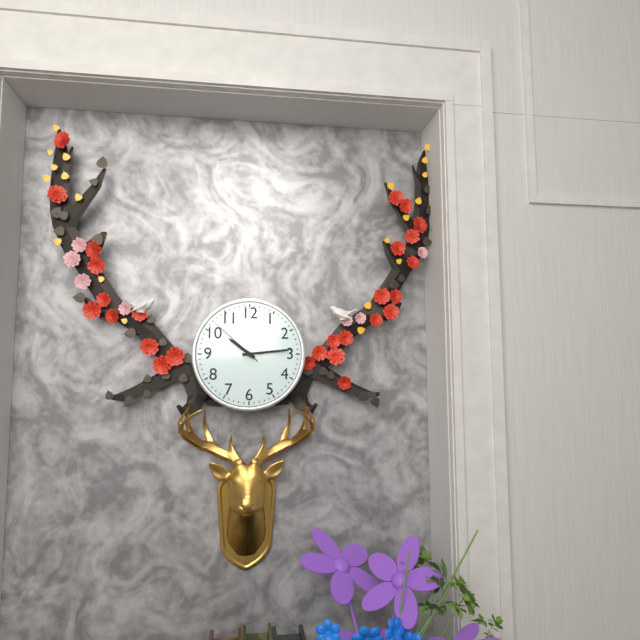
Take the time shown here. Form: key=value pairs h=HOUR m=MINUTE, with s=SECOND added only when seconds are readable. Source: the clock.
h=10 m=14 s=52
